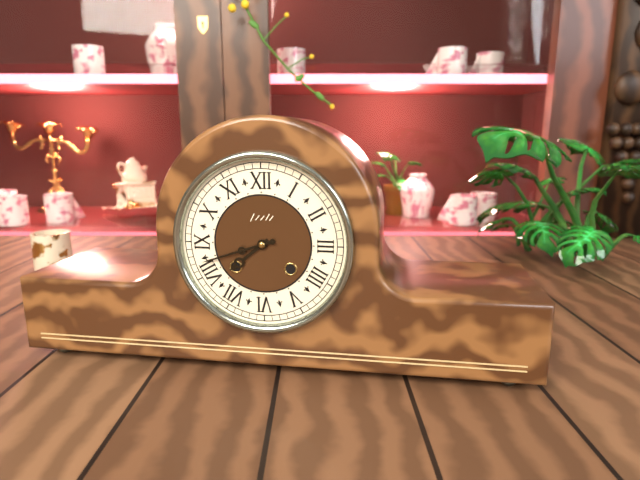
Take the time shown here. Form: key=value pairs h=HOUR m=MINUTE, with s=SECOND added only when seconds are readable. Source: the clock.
h=7 m=42
